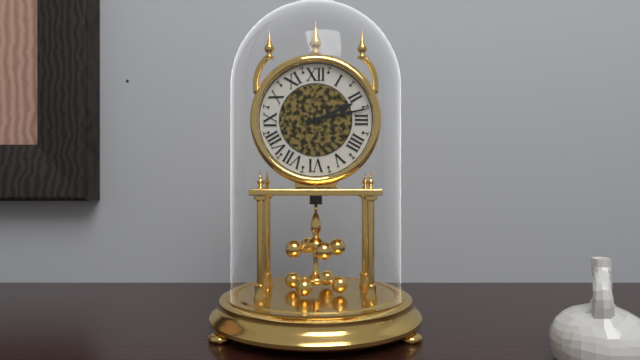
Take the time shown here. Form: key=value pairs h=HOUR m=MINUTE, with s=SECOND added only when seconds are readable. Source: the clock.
h=2 m=13
